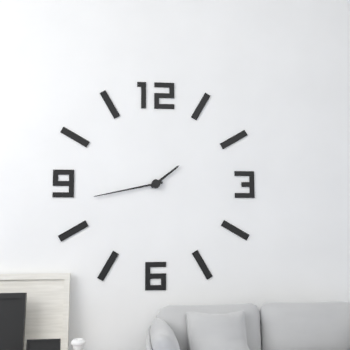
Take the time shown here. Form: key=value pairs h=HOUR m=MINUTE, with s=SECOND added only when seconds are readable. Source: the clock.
h=1 m=43
